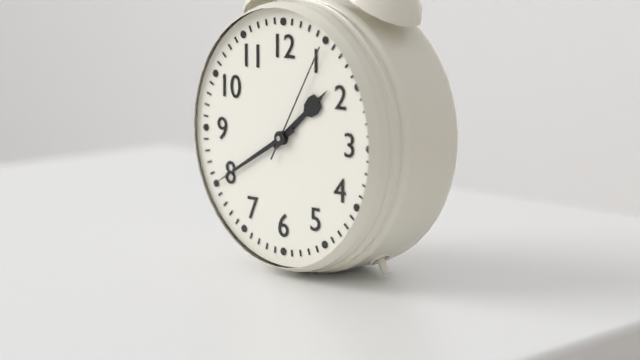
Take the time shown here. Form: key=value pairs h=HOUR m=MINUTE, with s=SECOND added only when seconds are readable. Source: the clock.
h=1 m=40 s=5
